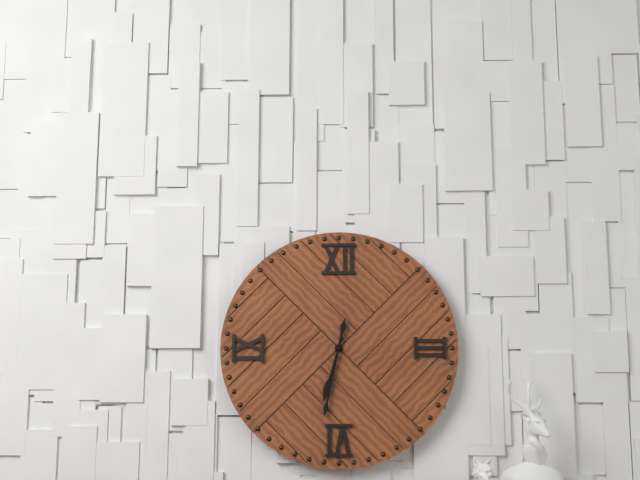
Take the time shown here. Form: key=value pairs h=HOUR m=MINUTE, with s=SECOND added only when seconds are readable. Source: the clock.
h=6 m=32
